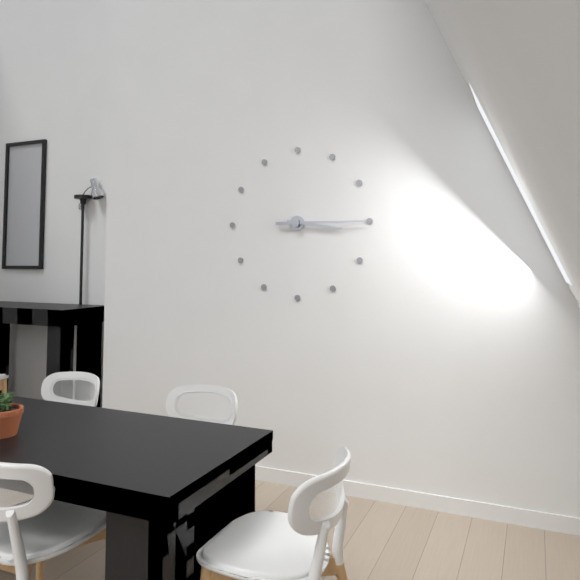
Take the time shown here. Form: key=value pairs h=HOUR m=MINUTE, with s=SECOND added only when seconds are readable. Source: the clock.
h=3 m=15
